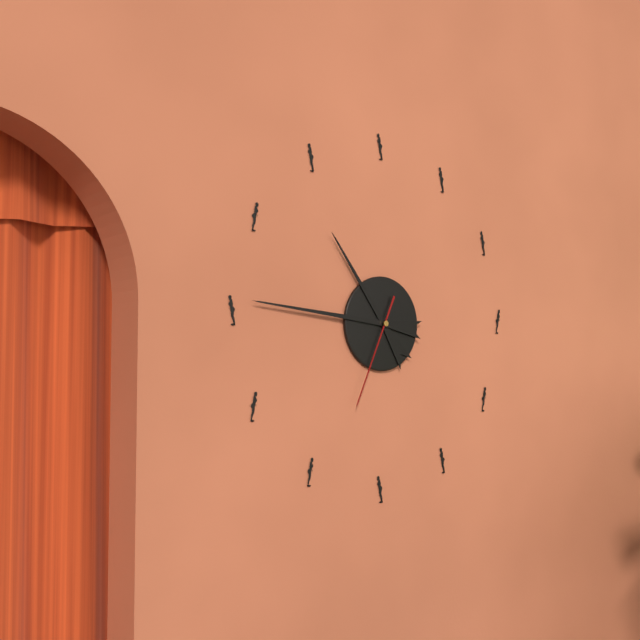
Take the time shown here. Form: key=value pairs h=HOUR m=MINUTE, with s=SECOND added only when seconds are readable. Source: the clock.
h=10 m=46 s=34
